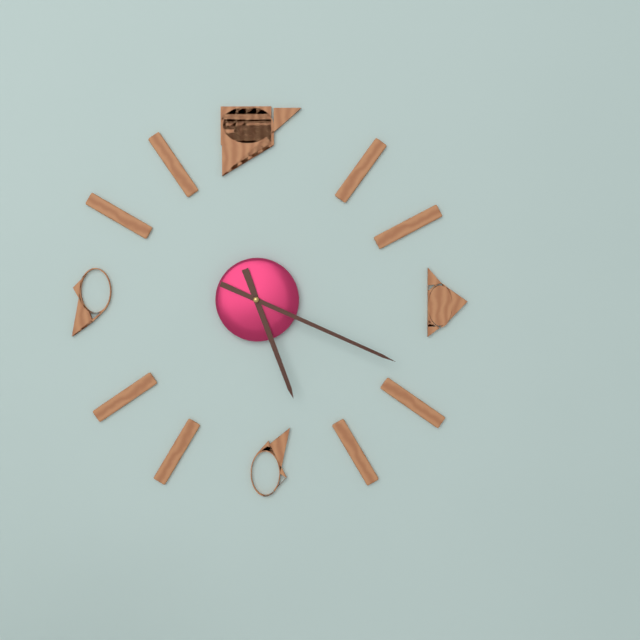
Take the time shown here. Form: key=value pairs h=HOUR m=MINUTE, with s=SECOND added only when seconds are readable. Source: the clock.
h=5 m=19
